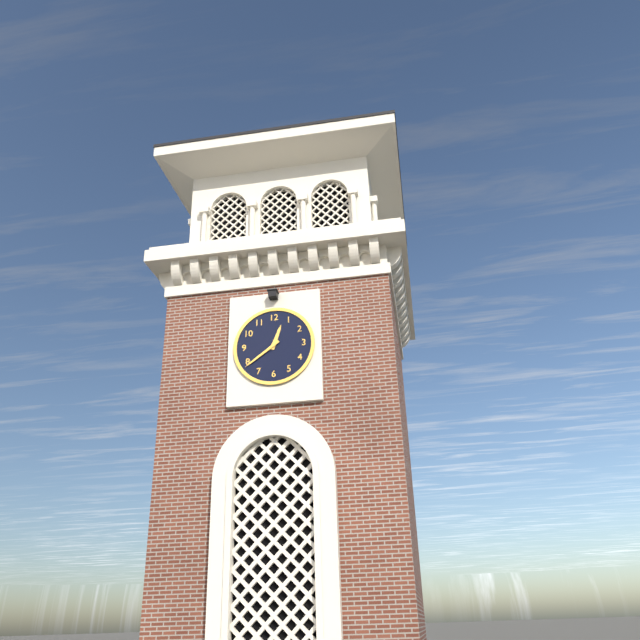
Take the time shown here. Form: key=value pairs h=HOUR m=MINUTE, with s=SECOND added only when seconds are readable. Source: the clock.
h=12 m=39
